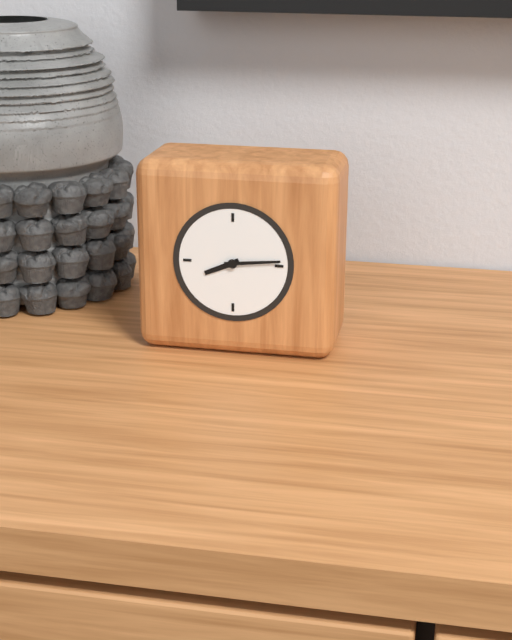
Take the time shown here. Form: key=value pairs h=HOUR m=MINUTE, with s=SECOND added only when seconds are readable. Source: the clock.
h=8 m=14
